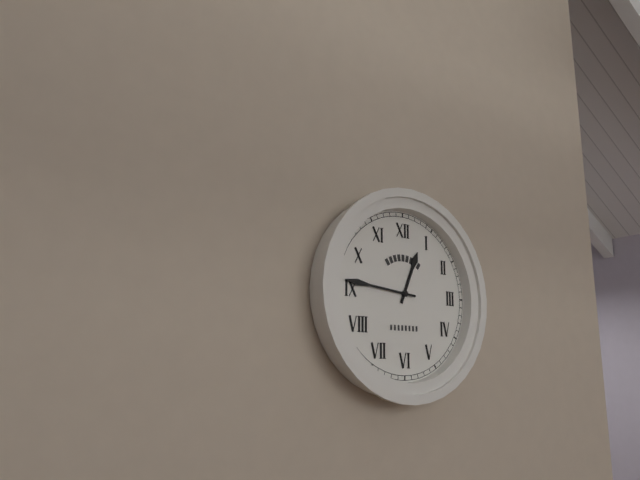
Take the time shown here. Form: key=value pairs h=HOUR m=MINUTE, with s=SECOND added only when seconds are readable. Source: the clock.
h=12 m=46
